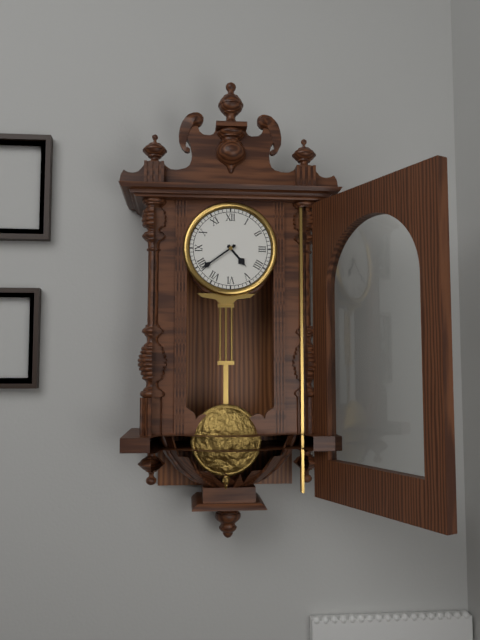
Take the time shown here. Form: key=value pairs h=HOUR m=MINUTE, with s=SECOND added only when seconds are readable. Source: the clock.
h=4 m=39
